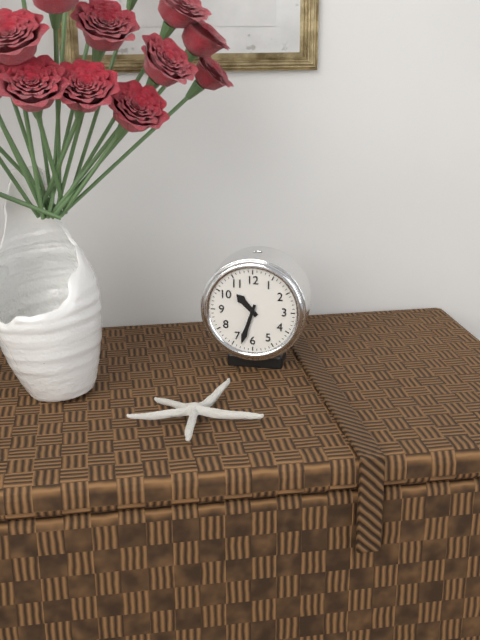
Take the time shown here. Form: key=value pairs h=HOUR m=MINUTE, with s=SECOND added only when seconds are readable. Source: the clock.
h=10 m=33
